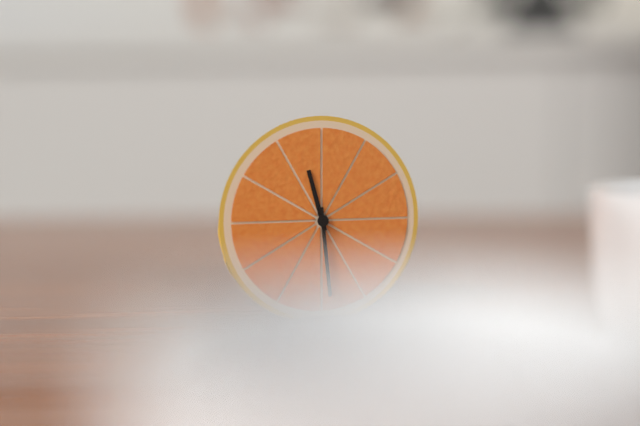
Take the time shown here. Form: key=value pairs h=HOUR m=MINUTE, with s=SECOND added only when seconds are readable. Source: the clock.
h=11 m=29
